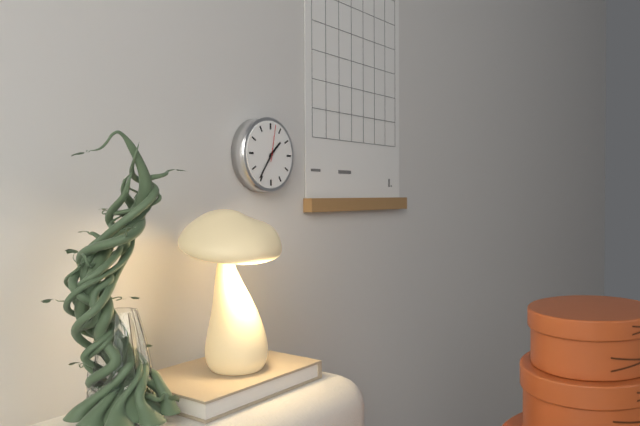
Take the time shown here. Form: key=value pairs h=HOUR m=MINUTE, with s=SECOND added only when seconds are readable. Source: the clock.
h=1 m=36
